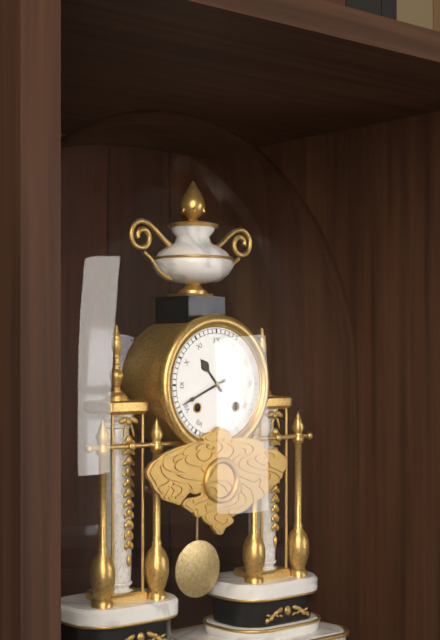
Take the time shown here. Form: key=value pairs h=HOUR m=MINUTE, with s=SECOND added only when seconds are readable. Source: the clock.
h=10 m=41
